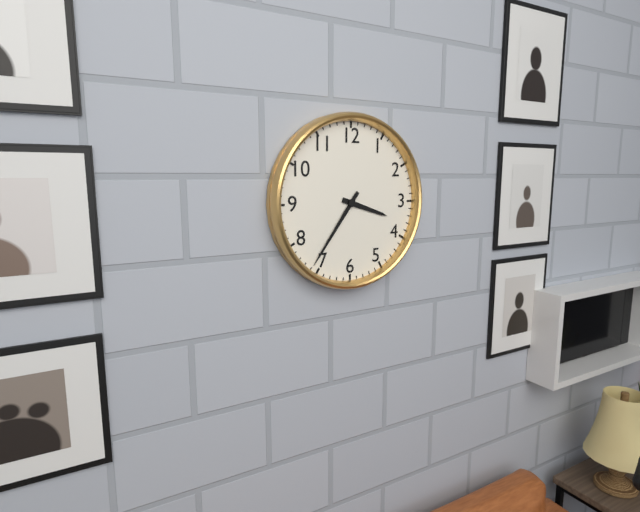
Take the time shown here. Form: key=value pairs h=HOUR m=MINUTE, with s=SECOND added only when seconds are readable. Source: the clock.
h=3 m=36
